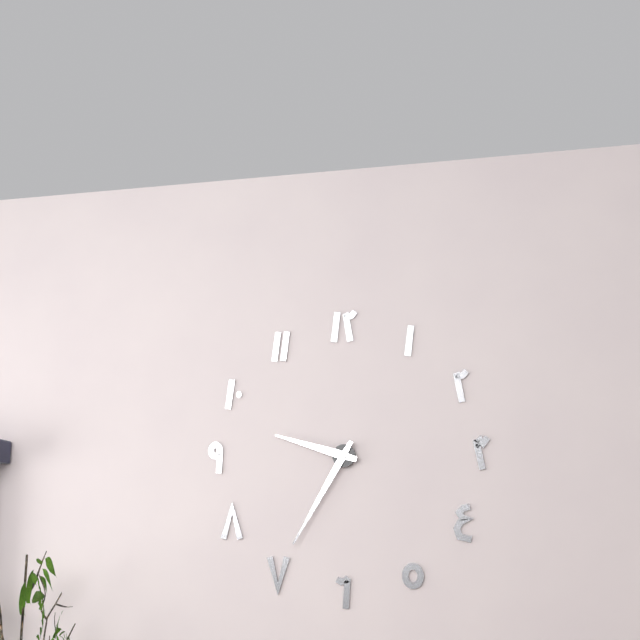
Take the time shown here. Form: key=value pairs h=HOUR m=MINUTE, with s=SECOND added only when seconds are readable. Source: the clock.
h=9 m=35
